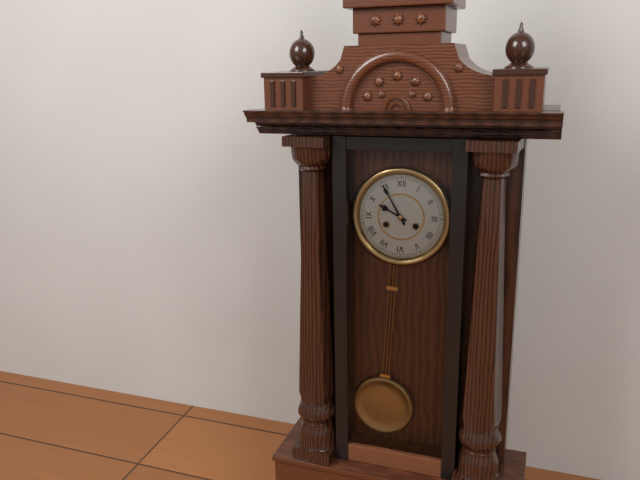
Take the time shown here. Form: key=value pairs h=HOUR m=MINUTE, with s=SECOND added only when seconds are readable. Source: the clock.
h=9 m=55
